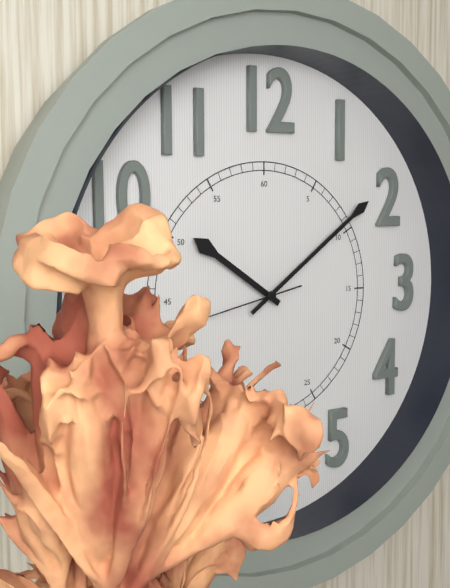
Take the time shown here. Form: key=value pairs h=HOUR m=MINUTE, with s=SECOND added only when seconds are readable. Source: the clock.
h=10 m=9 s=43
